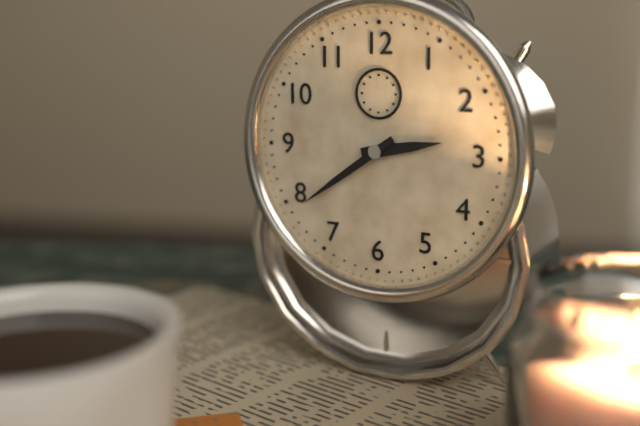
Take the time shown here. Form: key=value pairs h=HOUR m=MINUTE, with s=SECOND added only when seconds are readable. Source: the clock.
h=2 m=39
